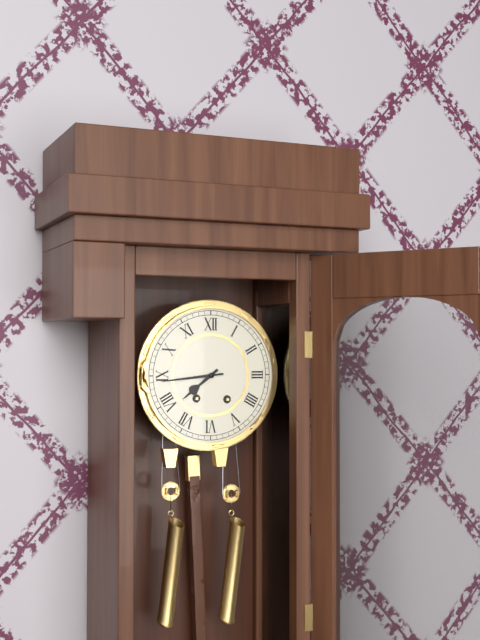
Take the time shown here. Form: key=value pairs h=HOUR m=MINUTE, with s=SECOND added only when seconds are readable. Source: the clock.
h=7 m=44
